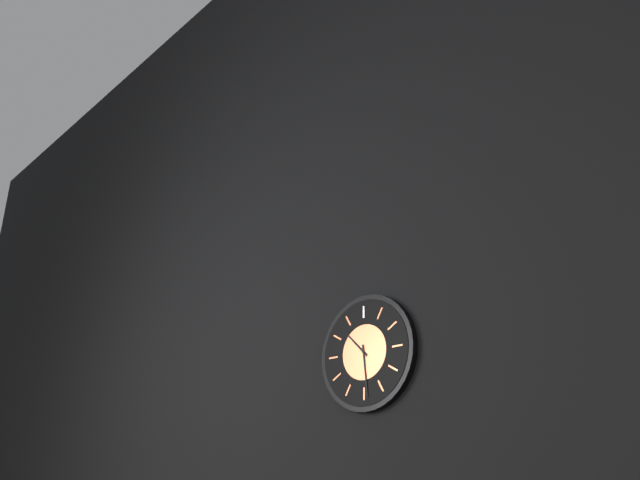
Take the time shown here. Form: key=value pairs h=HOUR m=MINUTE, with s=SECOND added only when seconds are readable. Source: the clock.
h=10 m=29
